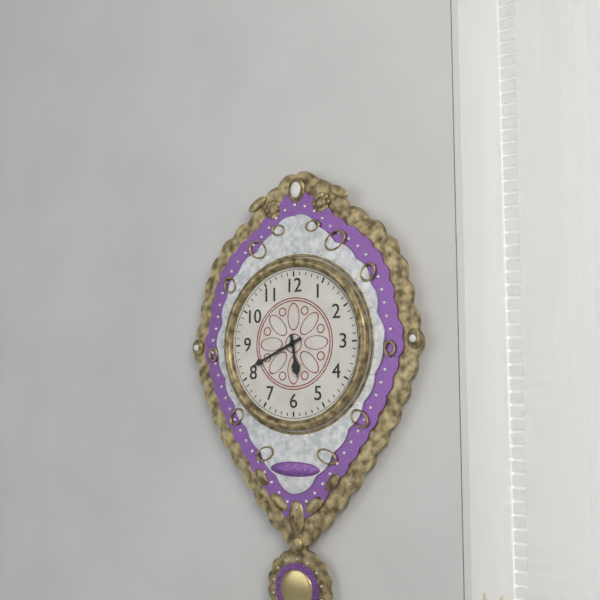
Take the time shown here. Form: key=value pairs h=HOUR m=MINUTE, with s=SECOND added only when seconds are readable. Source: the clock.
h=5 m=41
